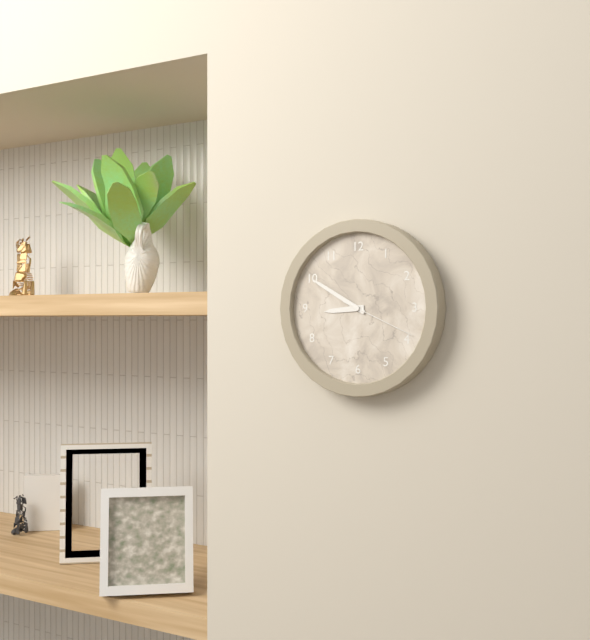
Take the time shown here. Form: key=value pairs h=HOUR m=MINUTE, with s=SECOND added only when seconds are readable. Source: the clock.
h=8 m=50 s=19
